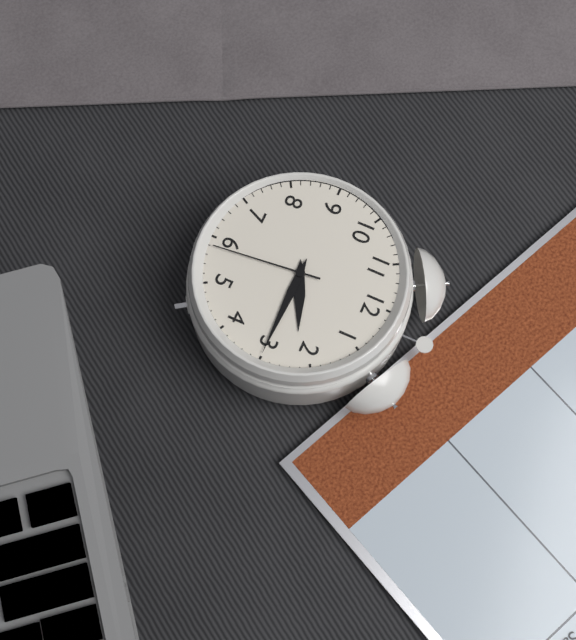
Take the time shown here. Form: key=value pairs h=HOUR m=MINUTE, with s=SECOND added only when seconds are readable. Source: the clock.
h=2 m=15 s=29
